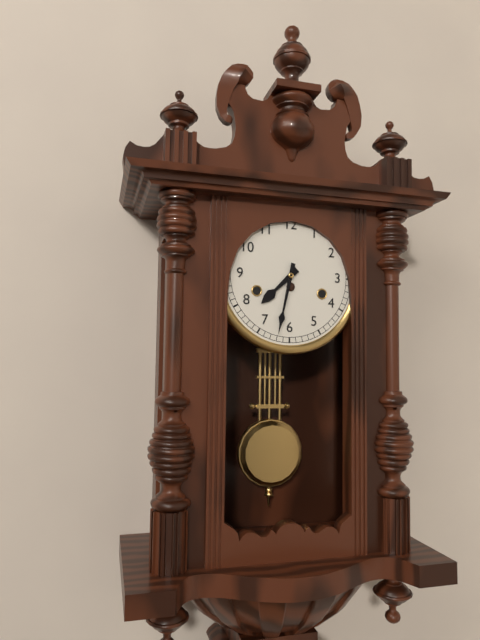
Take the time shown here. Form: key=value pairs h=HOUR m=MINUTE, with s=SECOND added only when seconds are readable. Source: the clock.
h=7 m=32
